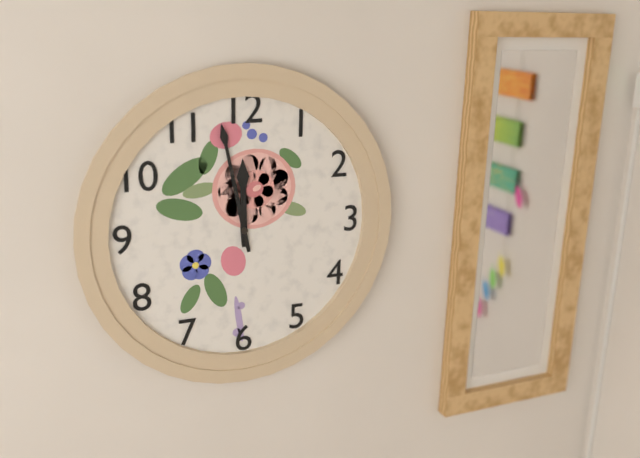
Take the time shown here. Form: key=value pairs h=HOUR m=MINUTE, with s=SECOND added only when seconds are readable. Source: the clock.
h=11 m=58
